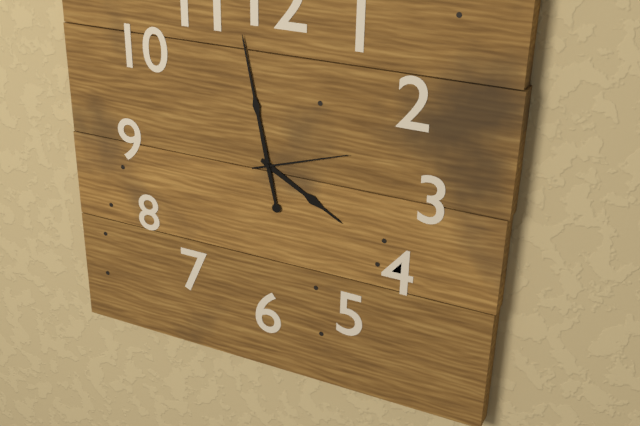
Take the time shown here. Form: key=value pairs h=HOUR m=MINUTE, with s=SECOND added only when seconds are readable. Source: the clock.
h=3 m=58 s=12
